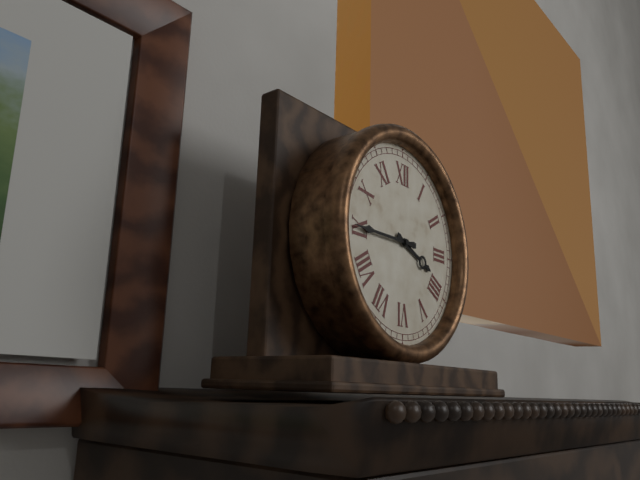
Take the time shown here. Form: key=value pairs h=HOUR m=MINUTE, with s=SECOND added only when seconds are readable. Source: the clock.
h=3 m=45
